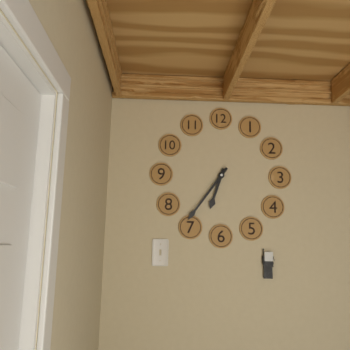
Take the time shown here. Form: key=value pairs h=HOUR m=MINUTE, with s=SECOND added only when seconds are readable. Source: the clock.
h=6 m=36
